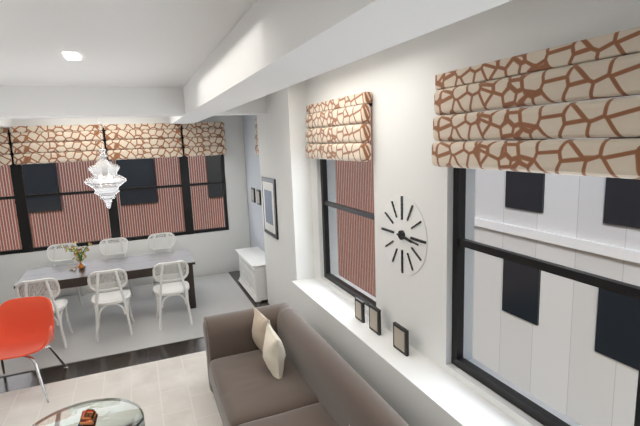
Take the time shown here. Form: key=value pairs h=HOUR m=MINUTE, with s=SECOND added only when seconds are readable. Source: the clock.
h=3 m=16
